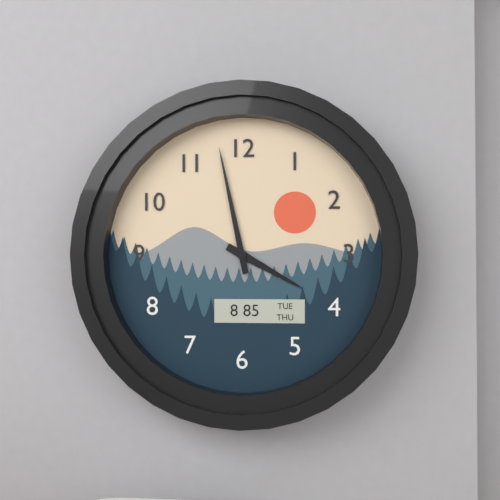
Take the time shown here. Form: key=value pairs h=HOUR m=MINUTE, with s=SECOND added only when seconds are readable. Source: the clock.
h=3 m=58
